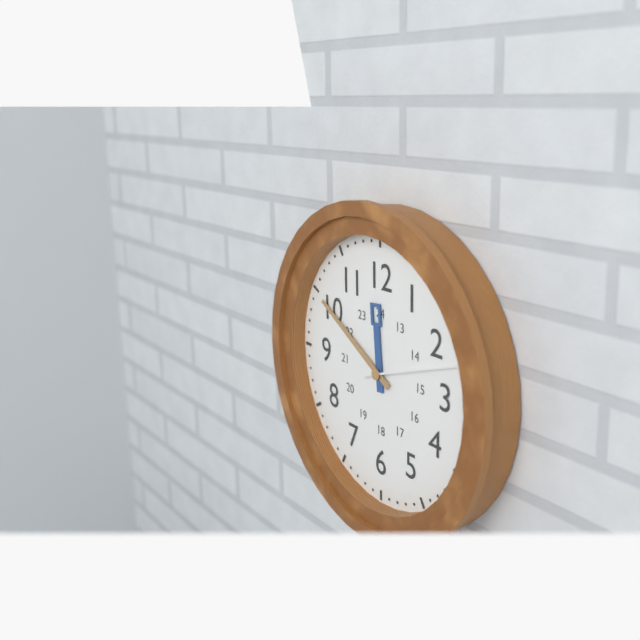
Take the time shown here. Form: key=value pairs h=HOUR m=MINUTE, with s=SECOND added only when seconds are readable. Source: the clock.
h=11 m=50 s=12
